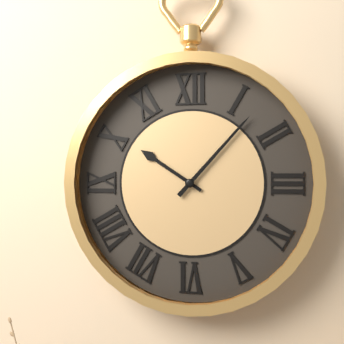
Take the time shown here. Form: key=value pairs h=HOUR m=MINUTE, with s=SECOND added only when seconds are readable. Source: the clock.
h=10 m=7
